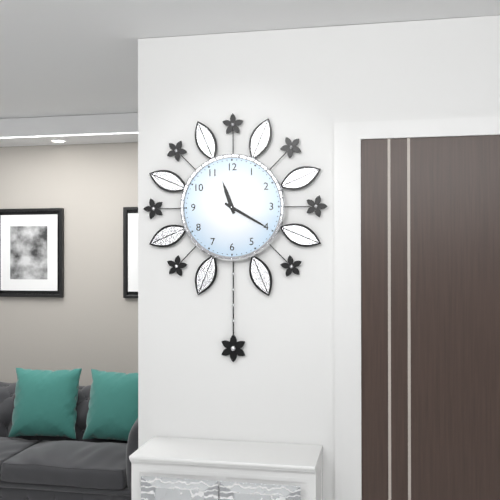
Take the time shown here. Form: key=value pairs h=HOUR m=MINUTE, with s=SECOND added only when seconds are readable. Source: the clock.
h=11 m=20
